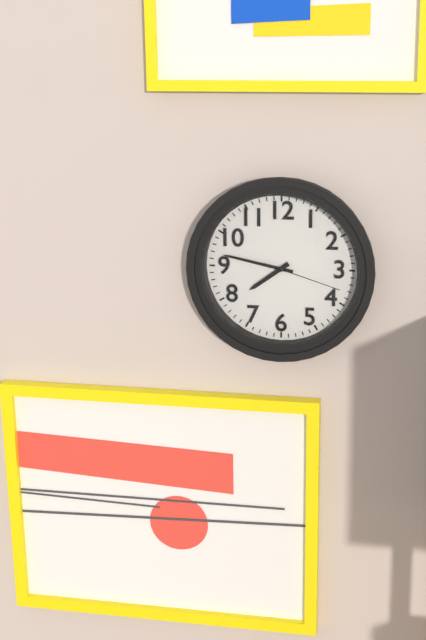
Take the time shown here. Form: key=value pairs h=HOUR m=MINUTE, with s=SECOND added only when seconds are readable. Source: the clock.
h=7 m=47 s=18
